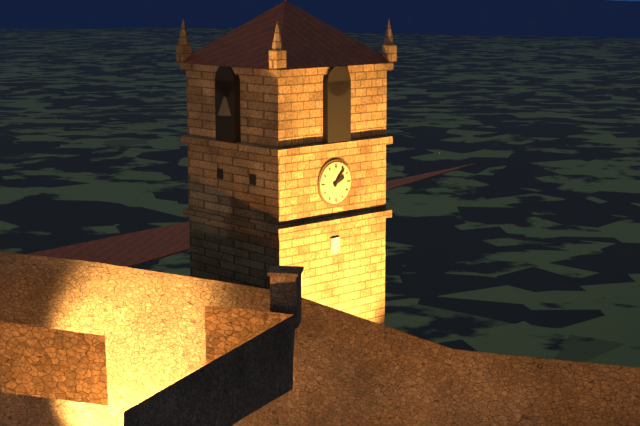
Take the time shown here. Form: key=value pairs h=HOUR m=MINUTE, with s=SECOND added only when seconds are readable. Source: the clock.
h=2 m=6
